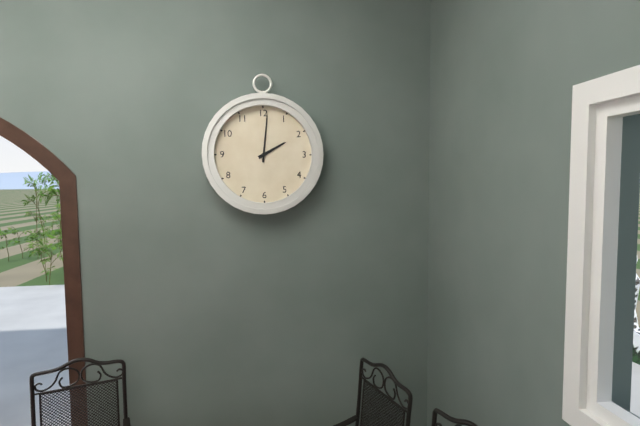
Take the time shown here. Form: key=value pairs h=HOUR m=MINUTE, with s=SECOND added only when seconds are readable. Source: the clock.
h=2 m=1
